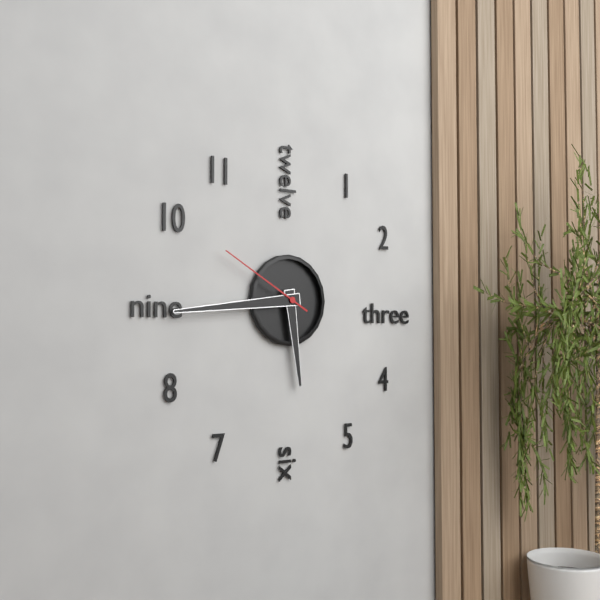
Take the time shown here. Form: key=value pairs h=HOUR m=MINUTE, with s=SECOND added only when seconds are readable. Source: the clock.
h=5 m=44 s=50
